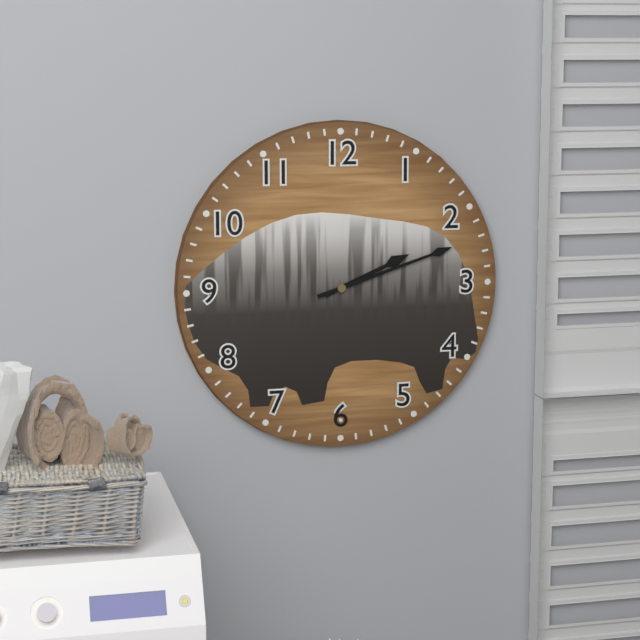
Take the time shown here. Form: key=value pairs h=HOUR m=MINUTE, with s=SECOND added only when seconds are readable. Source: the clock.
h=2 m=12
